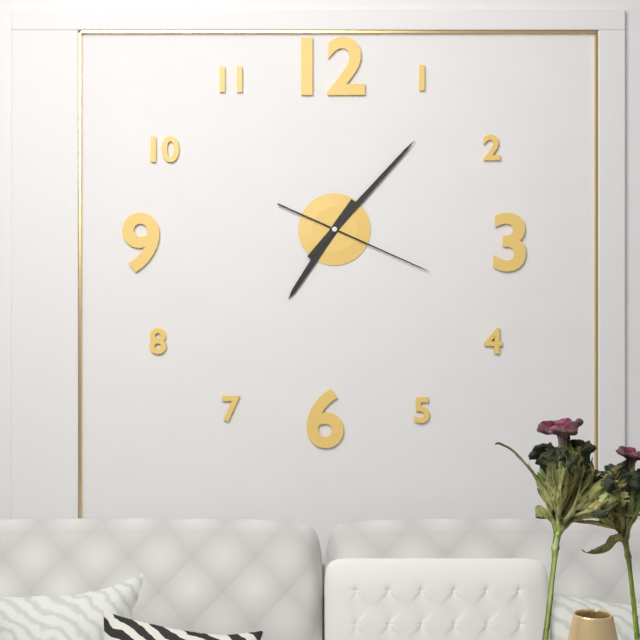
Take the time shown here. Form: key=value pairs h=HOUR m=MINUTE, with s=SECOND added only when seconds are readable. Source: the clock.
h=7 m=7 s=19
